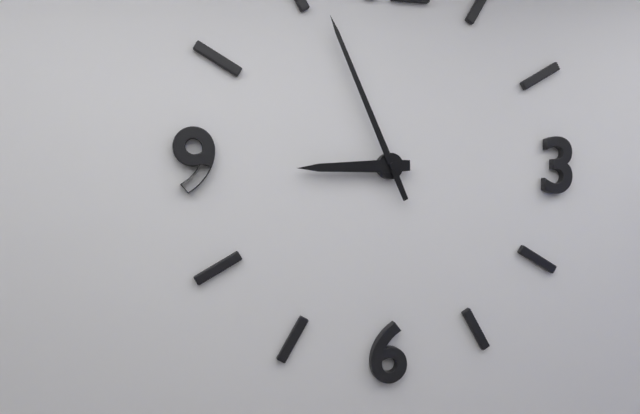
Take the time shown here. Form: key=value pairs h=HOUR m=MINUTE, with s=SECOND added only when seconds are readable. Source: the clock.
h=8 m=56
